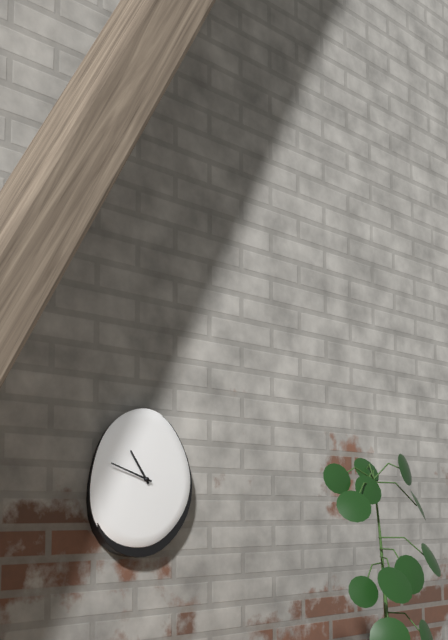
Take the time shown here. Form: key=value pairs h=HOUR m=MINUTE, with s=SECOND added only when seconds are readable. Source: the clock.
h=10 m=48
